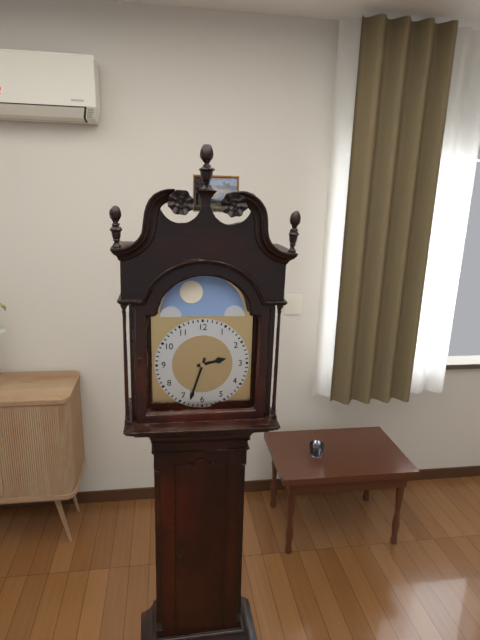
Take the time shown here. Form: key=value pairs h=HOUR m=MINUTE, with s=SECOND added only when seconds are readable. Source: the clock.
h=2 m=33
